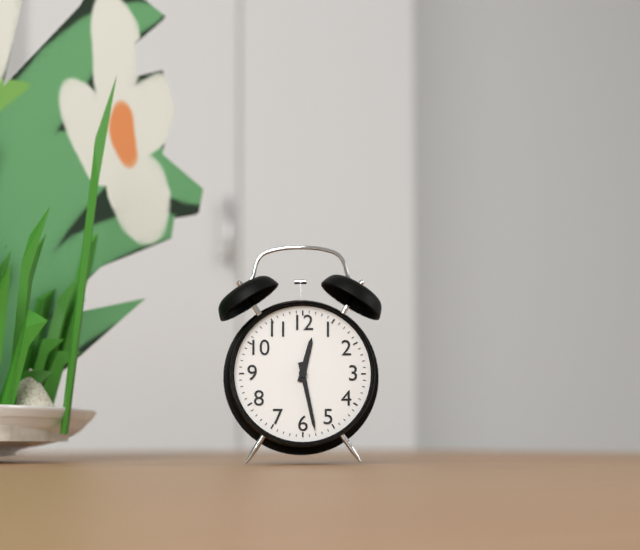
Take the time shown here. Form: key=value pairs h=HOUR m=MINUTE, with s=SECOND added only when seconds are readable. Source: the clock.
h=12 m=28
